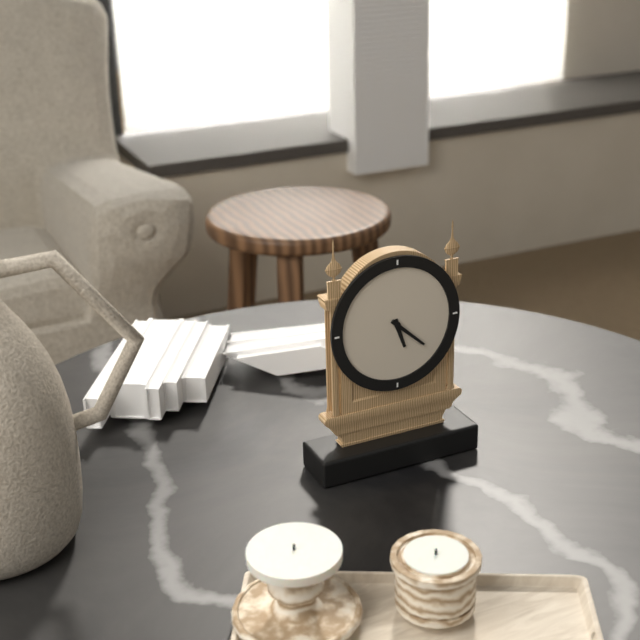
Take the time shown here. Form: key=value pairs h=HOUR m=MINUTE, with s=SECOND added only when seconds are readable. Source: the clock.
h=5 m=22
